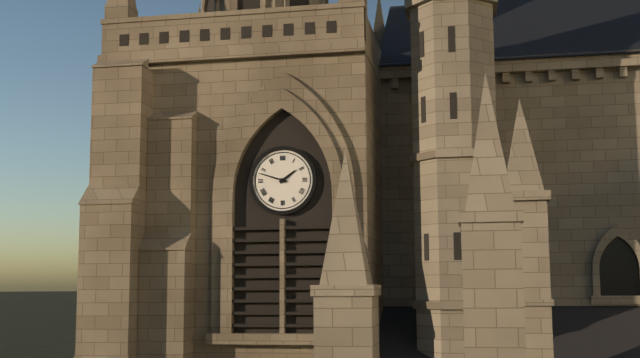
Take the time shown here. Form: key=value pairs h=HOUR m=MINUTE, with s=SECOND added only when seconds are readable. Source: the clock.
h=1 m=48
